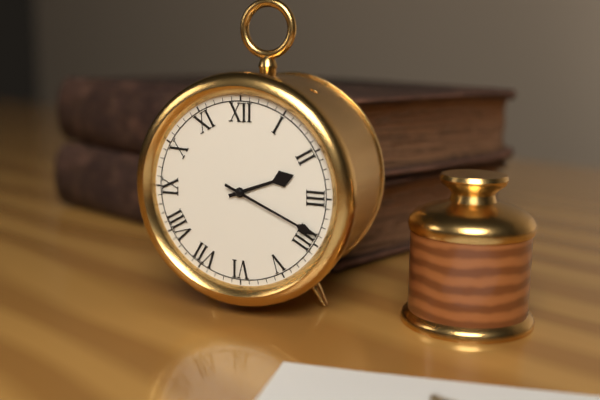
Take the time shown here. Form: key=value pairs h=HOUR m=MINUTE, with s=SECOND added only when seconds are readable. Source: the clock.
h=2 m=19
